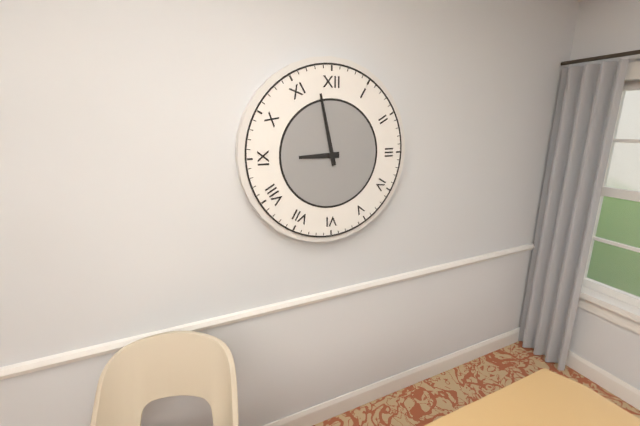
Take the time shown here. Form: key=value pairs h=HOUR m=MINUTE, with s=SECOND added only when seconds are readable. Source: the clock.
h=8 m=58
